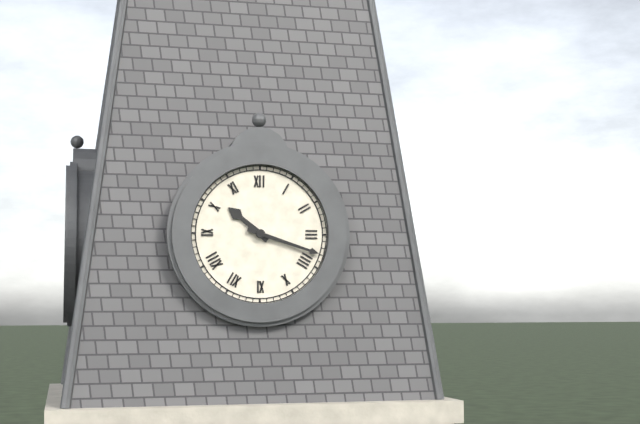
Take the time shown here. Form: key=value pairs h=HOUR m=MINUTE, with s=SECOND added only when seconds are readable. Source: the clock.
h=10 m=18
